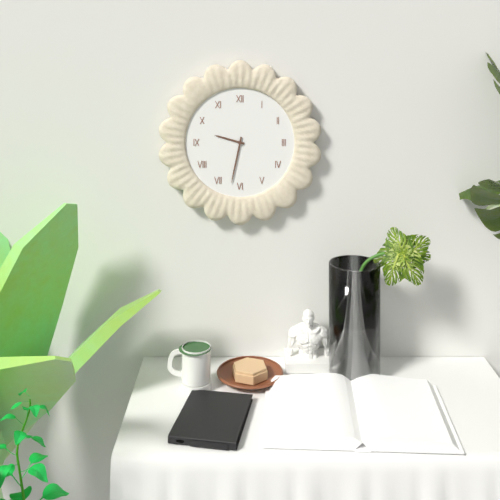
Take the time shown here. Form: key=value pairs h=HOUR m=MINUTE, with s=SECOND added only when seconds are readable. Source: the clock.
h=9 m=32
